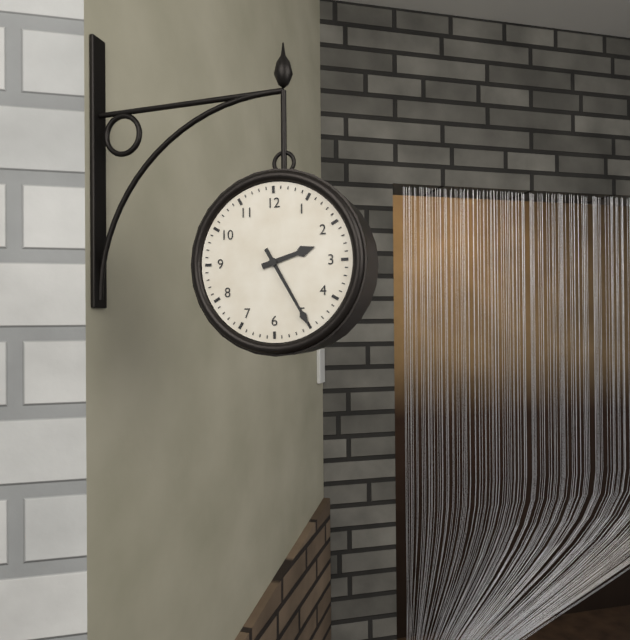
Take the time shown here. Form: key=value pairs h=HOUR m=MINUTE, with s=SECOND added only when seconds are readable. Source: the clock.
h=2 m=25
